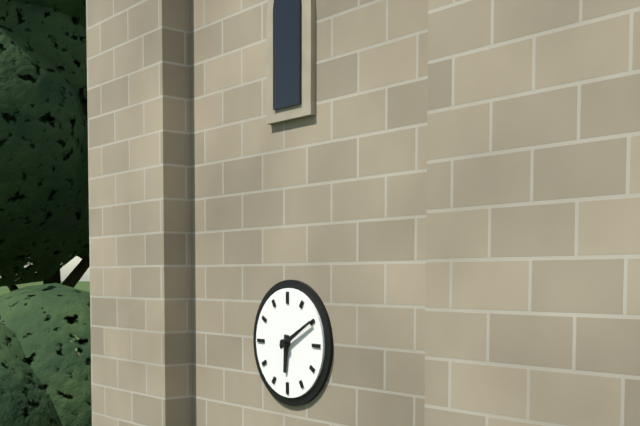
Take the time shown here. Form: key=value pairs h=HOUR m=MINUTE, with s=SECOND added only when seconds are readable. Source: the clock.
h=6 m=10
